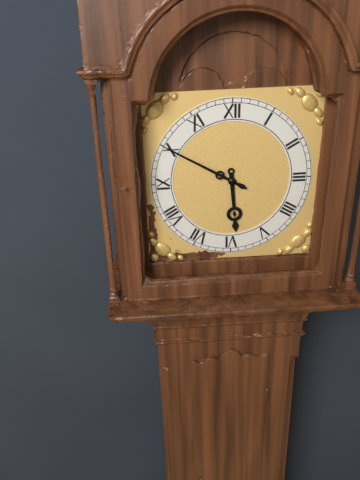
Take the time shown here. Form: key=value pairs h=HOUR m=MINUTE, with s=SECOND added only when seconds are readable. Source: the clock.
h=5 m=50
